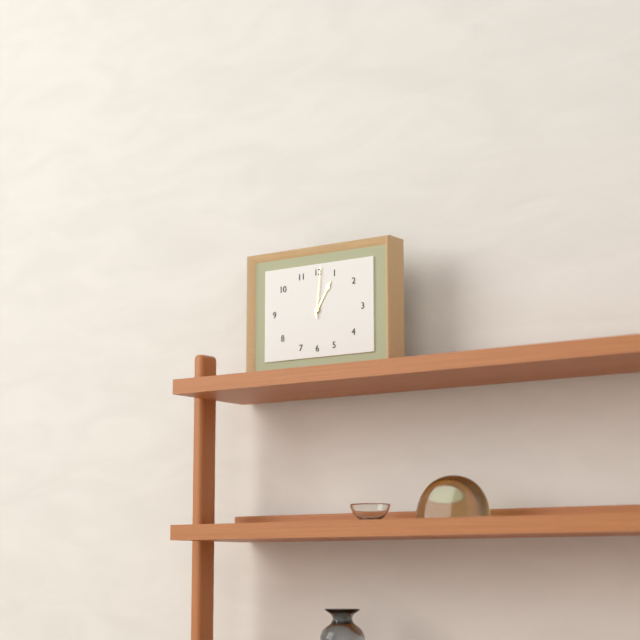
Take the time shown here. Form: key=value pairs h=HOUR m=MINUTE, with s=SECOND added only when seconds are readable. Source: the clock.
h=1 m=1
